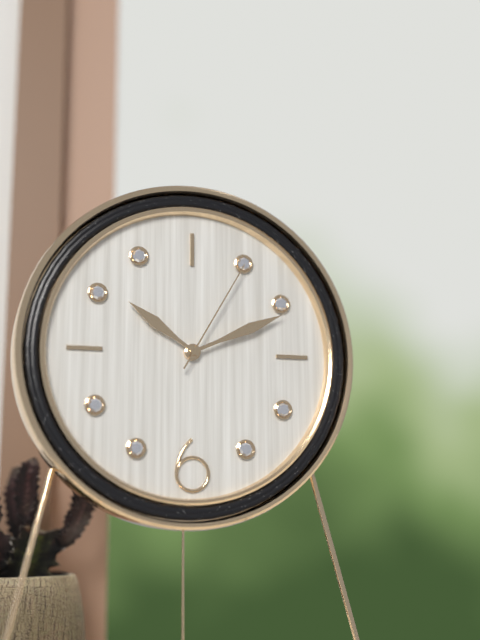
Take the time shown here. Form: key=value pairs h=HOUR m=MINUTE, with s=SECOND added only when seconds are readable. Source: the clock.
h=10 m=11 s=5
